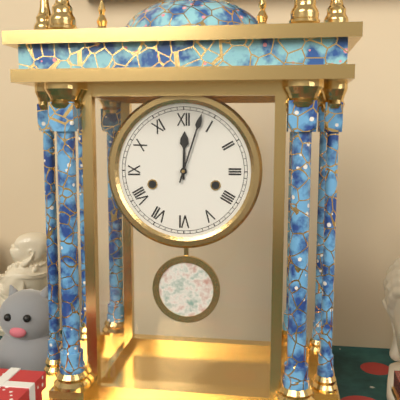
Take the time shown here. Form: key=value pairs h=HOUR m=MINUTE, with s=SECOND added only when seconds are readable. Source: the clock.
h=12 m=3
